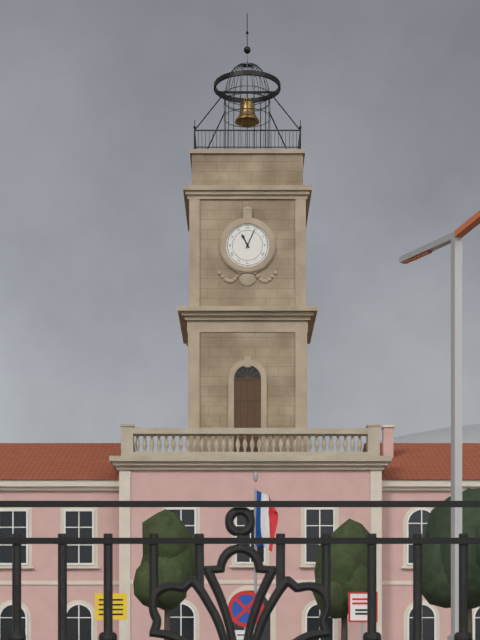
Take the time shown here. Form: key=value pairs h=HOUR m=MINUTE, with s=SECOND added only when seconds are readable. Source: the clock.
h=11 m=4
